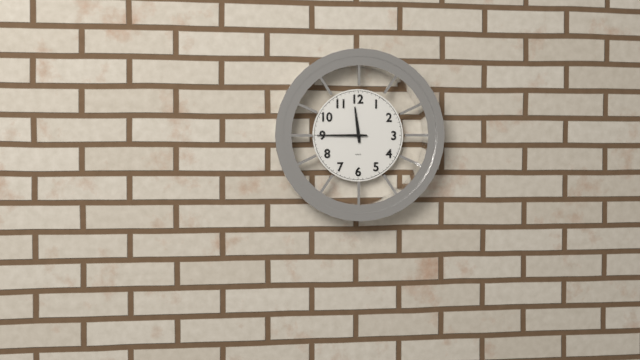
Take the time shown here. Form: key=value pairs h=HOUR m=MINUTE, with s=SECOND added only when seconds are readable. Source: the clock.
h=11 m=45
